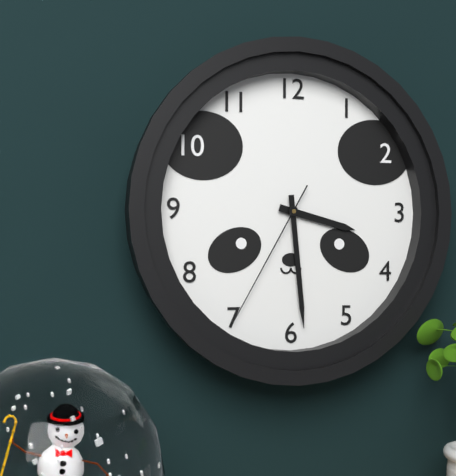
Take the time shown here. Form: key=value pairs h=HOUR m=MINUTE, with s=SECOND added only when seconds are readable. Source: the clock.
h=3 m=29 s=35
